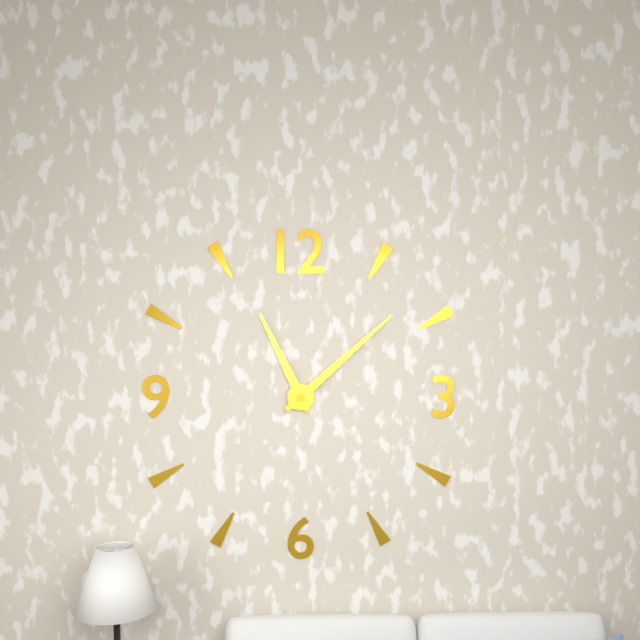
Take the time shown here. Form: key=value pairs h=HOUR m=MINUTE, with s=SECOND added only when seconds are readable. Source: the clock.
h=11 m=8
